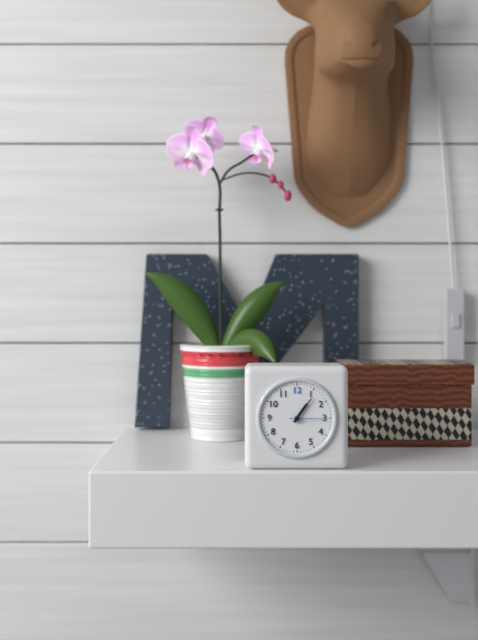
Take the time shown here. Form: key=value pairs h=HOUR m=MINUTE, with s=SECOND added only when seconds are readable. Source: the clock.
h=1 m=6
